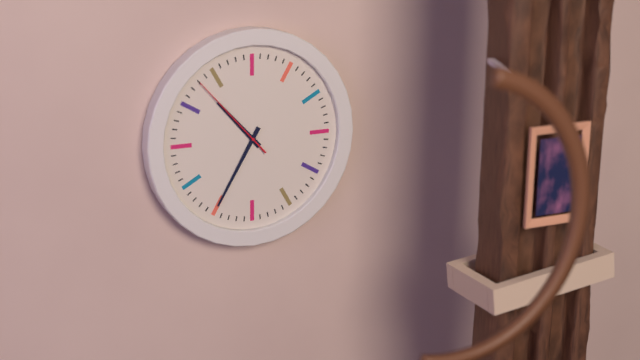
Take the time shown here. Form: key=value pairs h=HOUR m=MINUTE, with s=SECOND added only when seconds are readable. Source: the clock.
h=10 m=35 s=53
